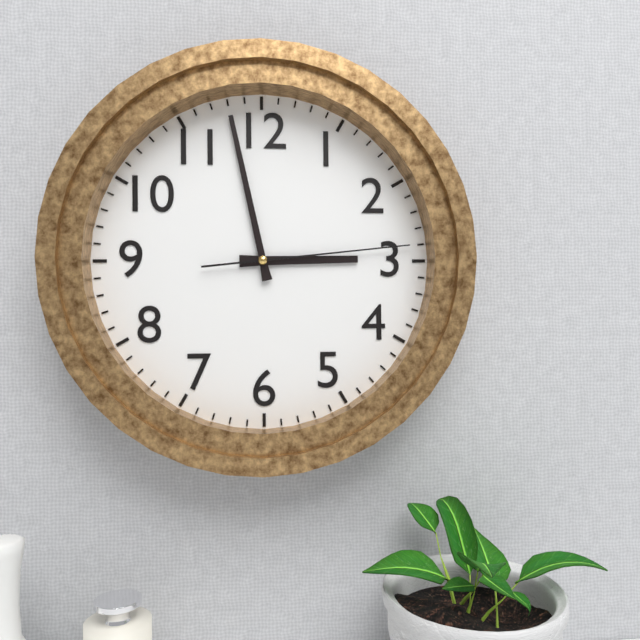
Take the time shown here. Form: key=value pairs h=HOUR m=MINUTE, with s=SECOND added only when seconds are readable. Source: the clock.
h=2 m=58 s=14
